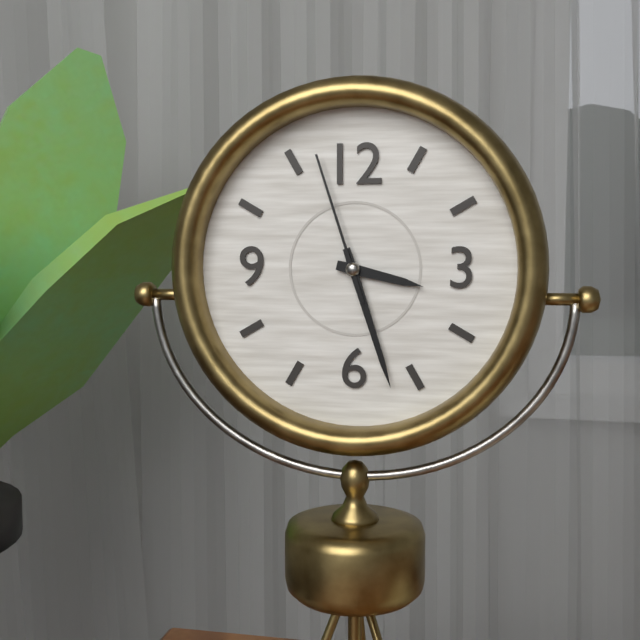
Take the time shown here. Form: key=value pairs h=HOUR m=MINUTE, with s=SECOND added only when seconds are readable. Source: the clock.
h=3 m=27 s=57
